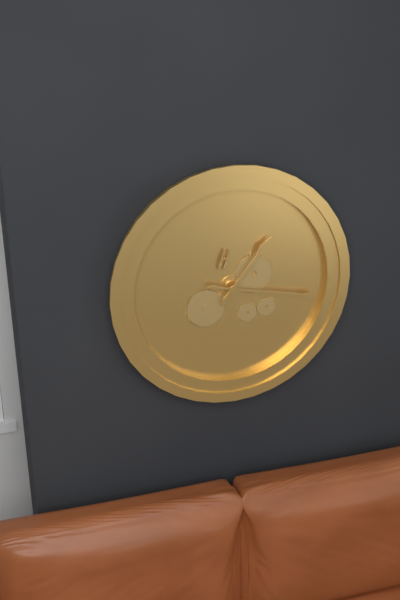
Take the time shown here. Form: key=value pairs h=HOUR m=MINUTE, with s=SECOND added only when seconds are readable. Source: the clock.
h=1 m=17
